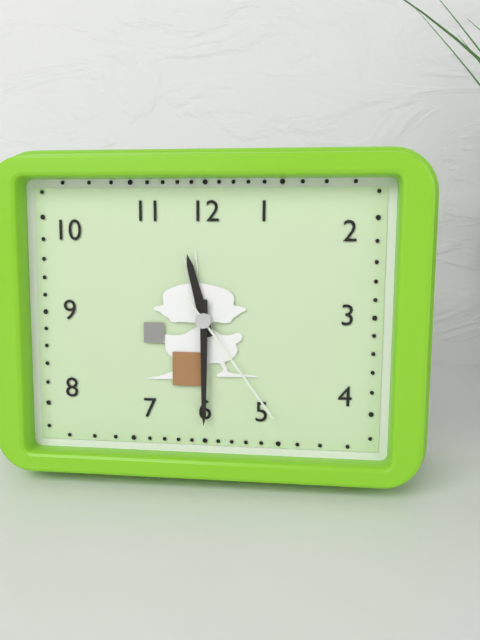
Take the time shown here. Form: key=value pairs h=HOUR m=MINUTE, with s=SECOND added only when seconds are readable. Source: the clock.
h=11 m=30 s=24
